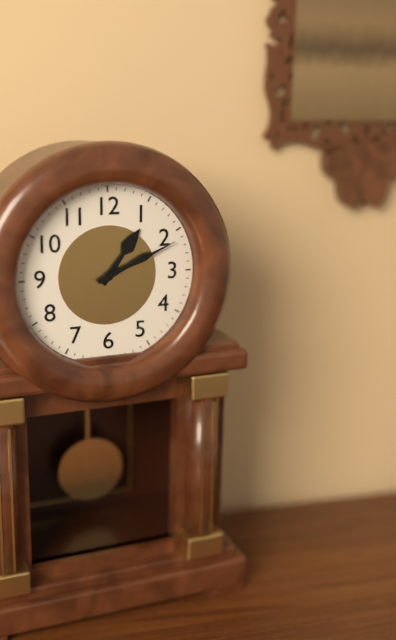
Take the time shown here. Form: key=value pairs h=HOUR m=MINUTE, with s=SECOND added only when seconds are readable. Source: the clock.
h=1 m=11
